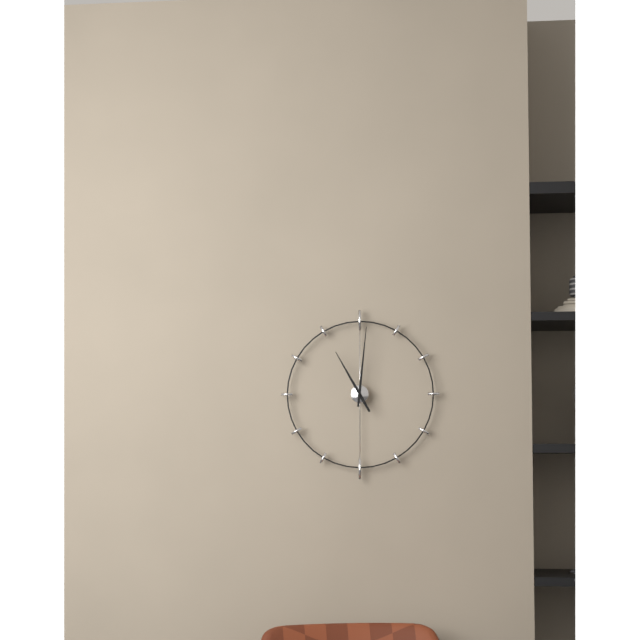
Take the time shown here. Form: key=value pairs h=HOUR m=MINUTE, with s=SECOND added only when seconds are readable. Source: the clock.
h=11 m=1
